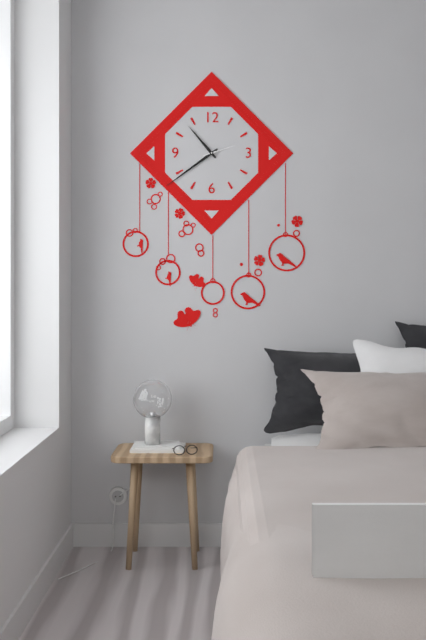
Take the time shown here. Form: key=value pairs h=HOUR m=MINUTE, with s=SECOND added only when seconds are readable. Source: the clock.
h=10 m=39
